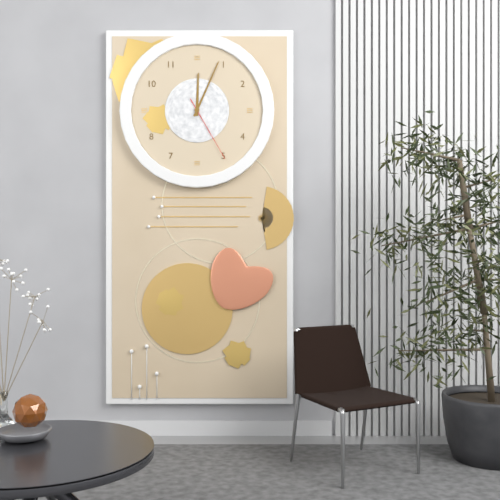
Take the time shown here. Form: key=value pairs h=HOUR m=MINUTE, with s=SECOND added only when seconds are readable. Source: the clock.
h=12 m=4 s=25
